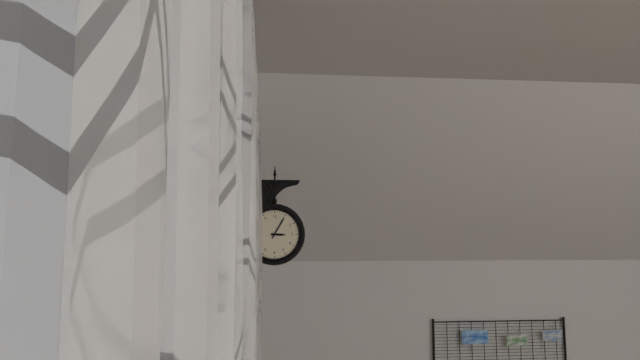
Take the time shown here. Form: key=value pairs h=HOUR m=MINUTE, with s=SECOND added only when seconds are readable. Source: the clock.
h=3 m=5
